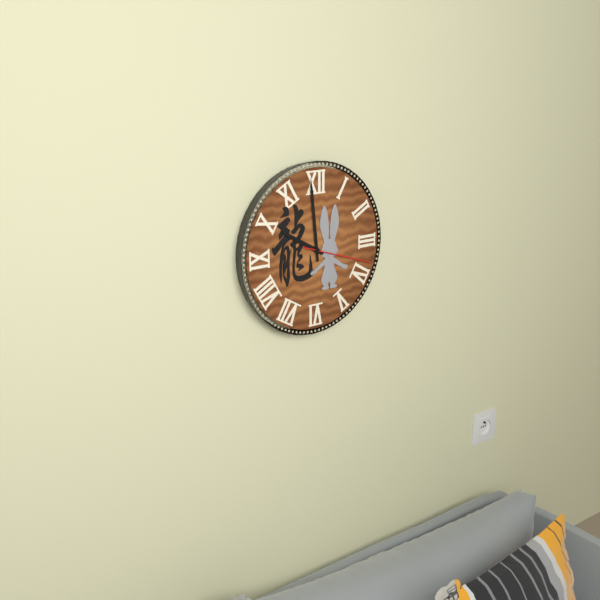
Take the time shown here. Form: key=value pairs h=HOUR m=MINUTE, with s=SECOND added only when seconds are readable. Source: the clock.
h=9 m=59 s=18
